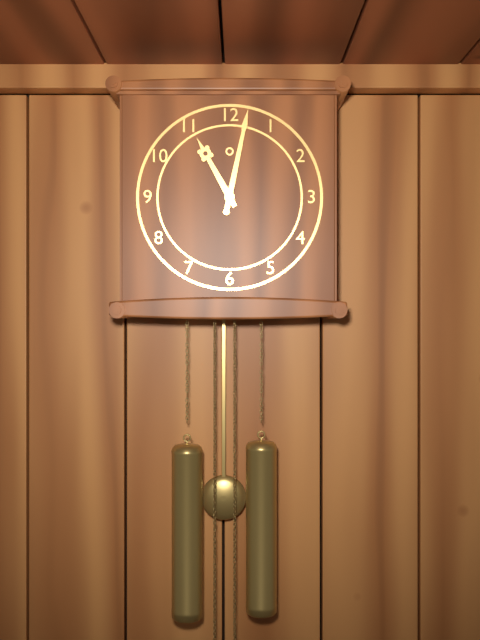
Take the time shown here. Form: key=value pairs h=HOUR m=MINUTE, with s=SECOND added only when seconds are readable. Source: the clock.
h=11 m=2
